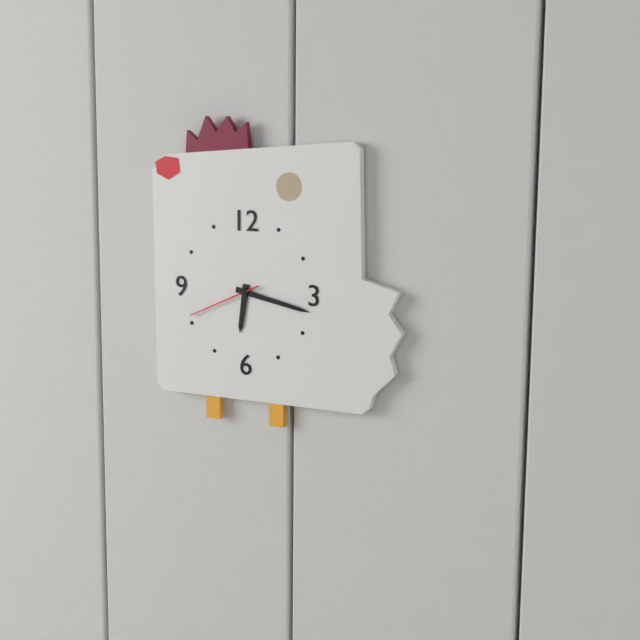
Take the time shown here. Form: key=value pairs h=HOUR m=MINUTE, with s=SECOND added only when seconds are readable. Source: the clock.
h=6 m=17 s=41
